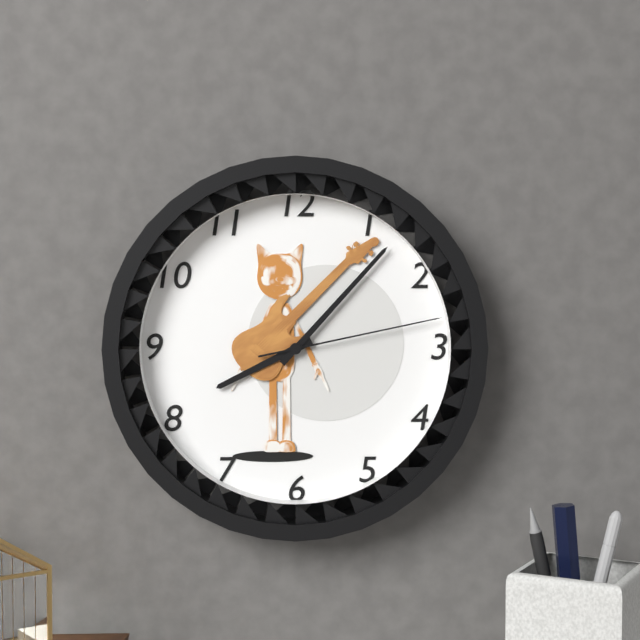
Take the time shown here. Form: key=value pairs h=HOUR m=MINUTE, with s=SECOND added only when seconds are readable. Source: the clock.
h=8 m=7 s=13
